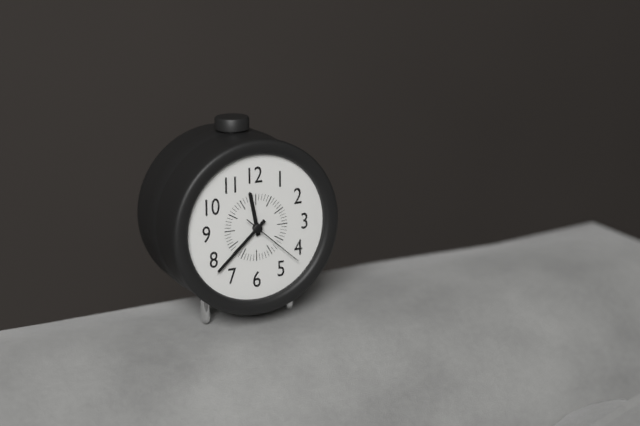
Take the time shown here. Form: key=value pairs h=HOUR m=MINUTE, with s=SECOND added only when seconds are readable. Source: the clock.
h=11 m=38 s=22
